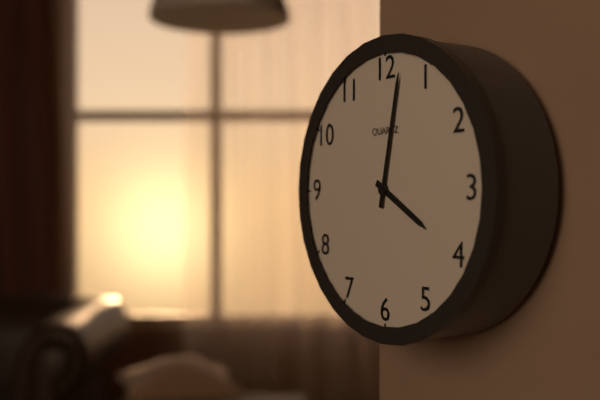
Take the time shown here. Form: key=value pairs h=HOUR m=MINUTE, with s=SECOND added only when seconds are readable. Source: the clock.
h=4 m=2
